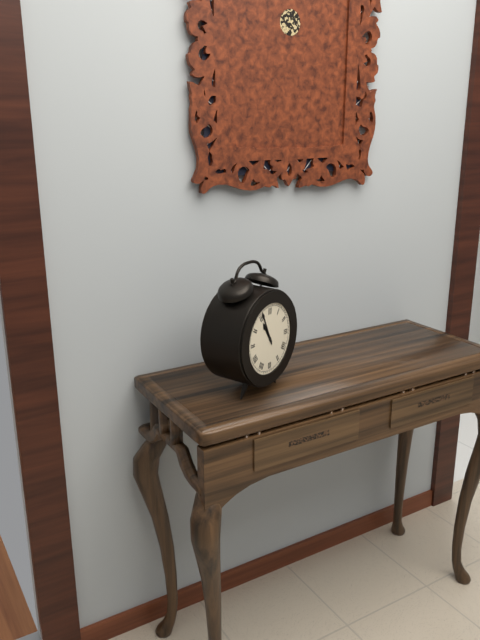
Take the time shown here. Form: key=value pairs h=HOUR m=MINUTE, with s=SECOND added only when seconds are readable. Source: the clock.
h=10 m=56
